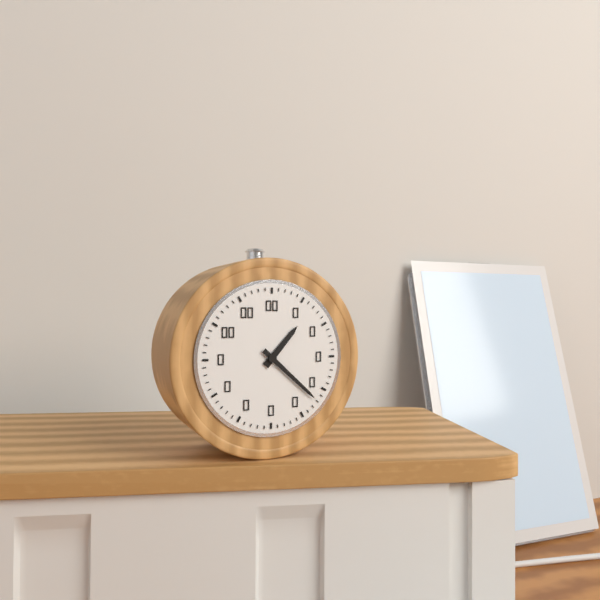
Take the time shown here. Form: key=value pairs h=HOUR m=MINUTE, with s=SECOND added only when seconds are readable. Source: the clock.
h=1 m=22
